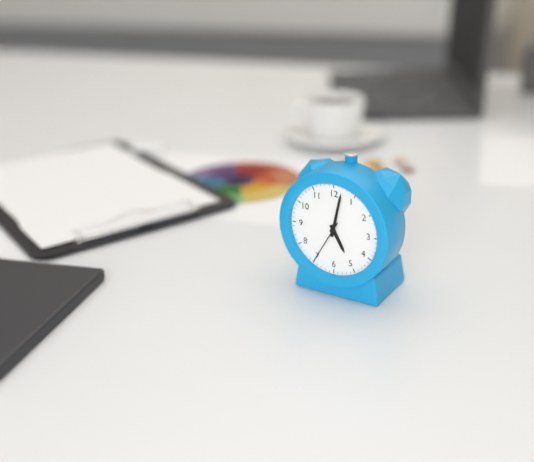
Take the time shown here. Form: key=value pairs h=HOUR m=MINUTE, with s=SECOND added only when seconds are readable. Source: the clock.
h=5 m=2
